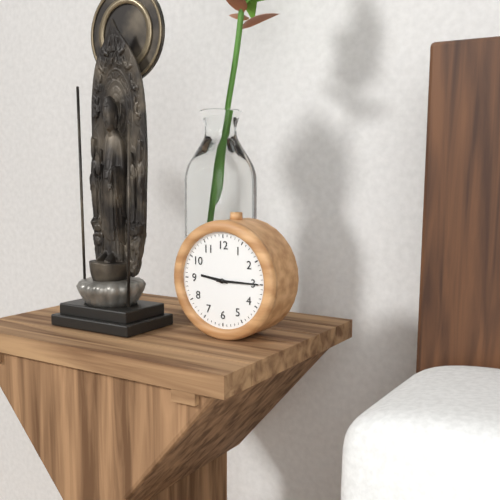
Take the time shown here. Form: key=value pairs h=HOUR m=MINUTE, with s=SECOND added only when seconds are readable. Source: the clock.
h=9 m=15
